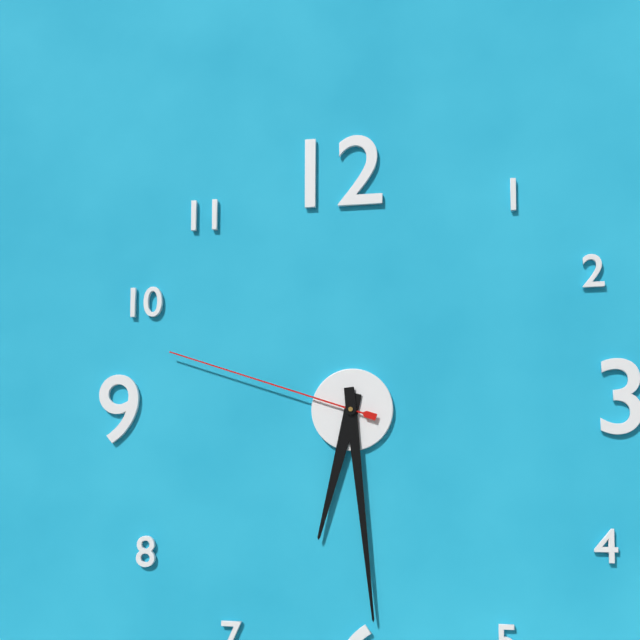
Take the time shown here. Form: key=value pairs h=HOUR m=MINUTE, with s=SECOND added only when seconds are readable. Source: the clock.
h=6 m=29 s=48
